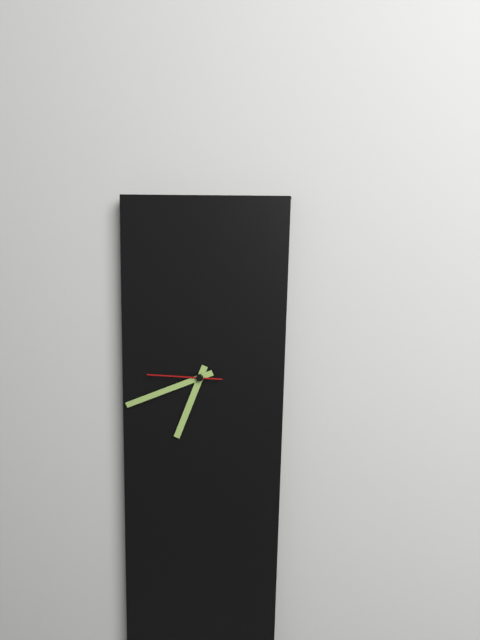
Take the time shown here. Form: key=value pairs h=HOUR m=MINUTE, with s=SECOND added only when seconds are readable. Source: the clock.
h=6 m=41 s=45
